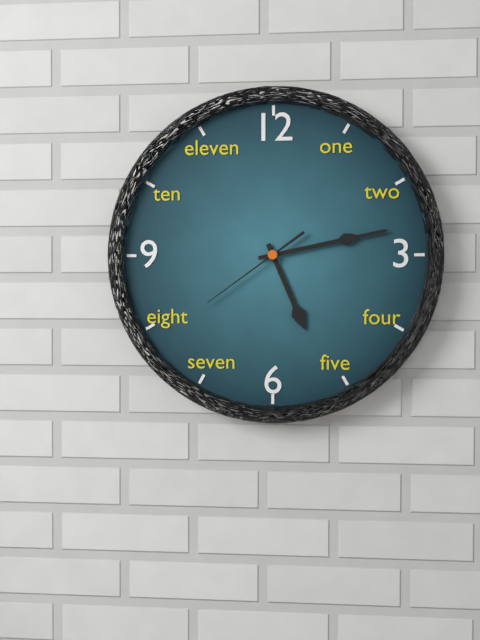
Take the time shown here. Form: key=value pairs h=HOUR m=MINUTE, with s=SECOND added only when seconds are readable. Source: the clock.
h=5 m=13 s=39
